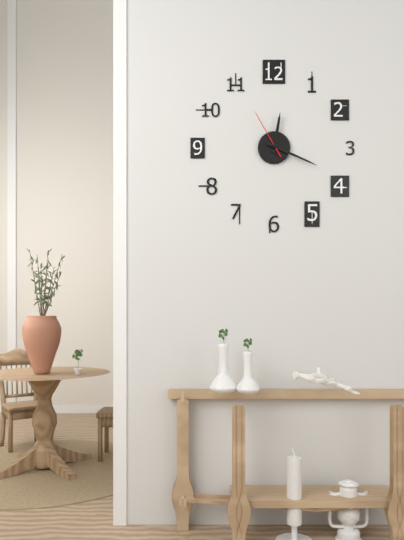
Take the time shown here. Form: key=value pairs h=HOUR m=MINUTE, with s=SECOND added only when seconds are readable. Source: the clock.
h=12 m=19 s=55
